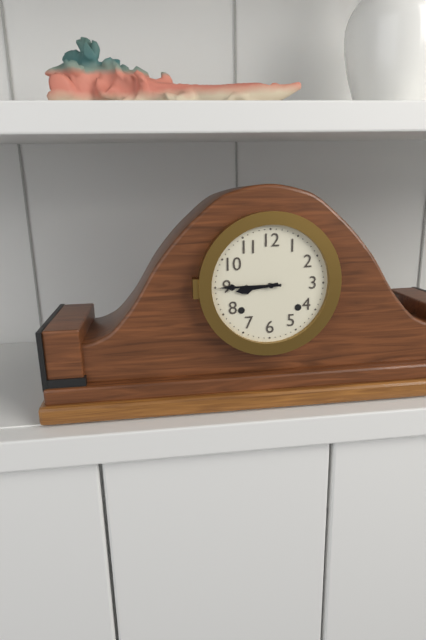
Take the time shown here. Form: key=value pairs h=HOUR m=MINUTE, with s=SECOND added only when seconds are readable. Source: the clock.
h=8 m=45
